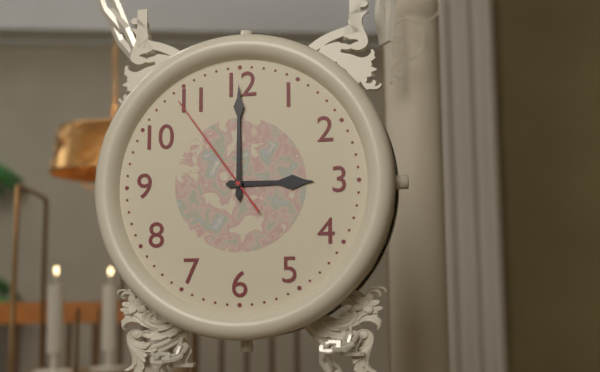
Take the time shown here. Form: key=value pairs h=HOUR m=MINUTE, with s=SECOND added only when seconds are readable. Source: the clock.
h=3 m=0 s=54
